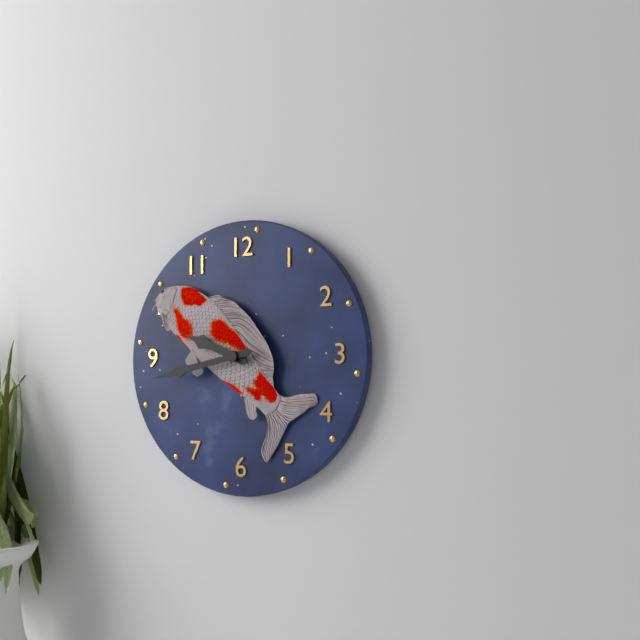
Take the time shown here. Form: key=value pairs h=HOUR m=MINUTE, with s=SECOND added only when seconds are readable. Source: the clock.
h=9 m=43
